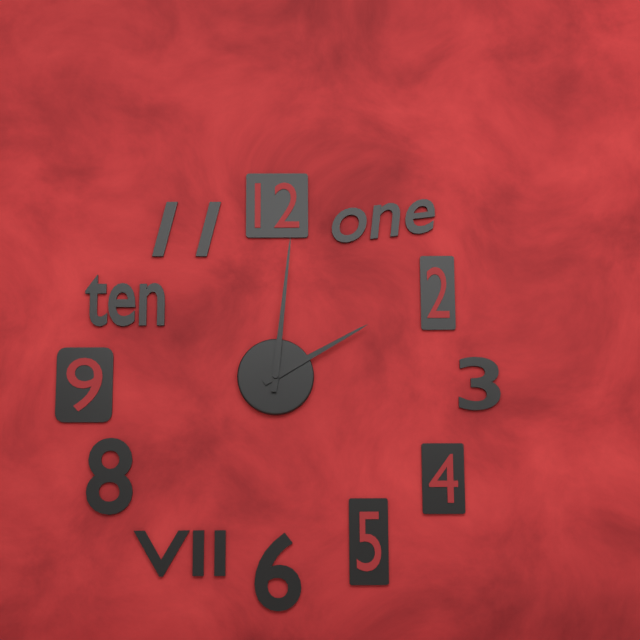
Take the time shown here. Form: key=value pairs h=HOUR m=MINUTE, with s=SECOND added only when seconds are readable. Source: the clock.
h=2 m=1
